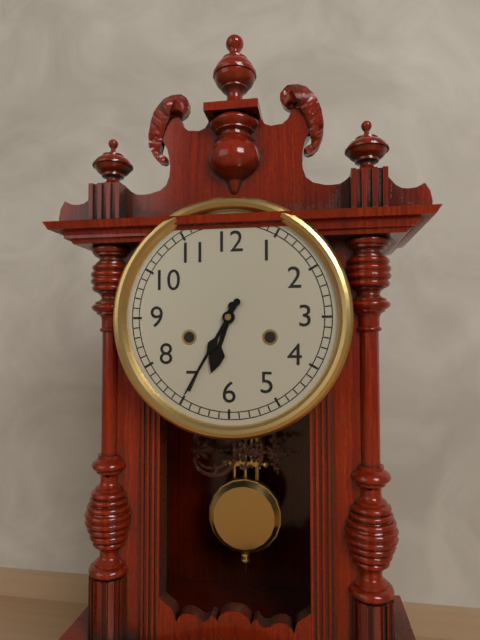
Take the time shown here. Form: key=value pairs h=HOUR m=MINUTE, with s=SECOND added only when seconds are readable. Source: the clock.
h=6 m=35
